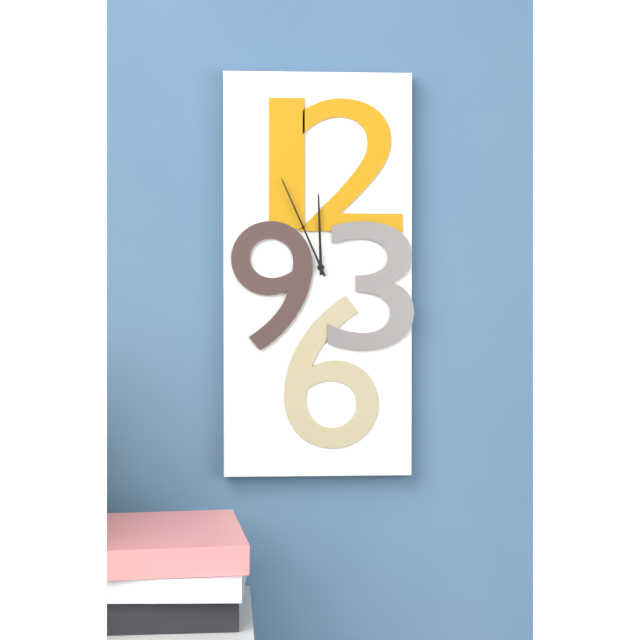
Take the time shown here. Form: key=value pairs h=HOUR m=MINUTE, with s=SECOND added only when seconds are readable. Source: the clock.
h=11 m=56
